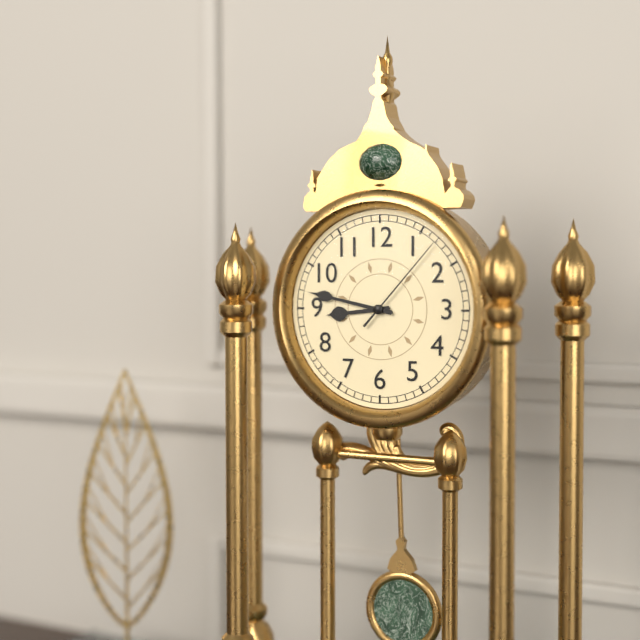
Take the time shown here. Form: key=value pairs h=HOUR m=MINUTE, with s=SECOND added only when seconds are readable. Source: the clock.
h=8 m=47 s=7
